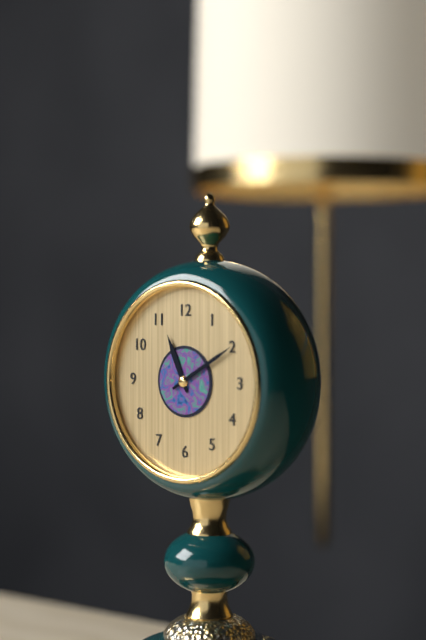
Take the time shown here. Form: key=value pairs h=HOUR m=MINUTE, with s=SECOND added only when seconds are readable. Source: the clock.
h=11 m=10
